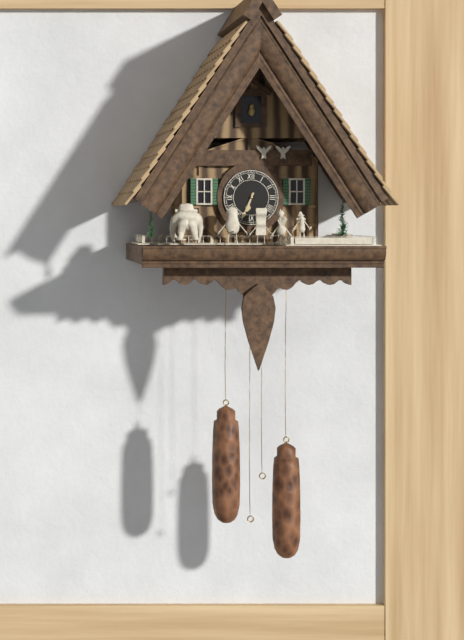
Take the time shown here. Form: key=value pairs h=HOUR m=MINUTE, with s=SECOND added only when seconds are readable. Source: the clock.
h=6 m=34
